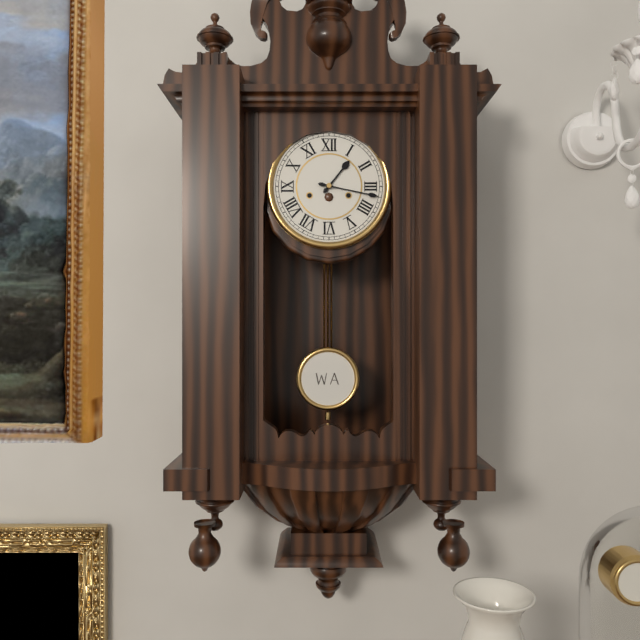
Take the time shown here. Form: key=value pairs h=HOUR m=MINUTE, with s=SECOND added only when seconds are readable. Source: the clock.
h=1 m=17
